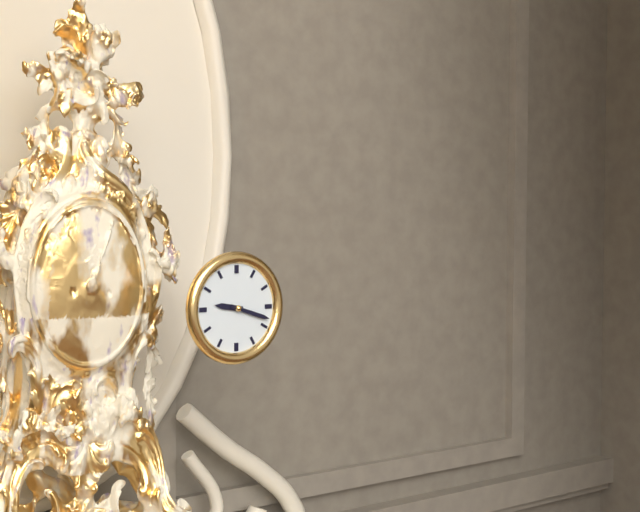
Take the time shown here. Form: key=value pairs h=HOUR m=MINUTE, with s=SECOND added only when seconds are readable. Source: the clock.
h=9 m=18
